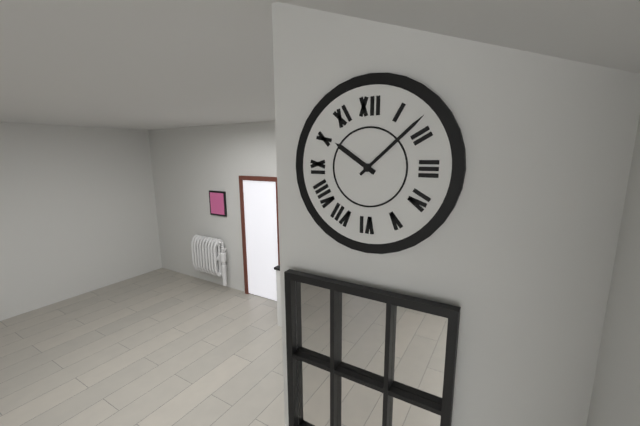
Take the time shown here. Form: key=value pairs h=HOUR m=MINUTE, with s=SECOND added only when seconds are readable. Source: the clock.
h=10 m=8
